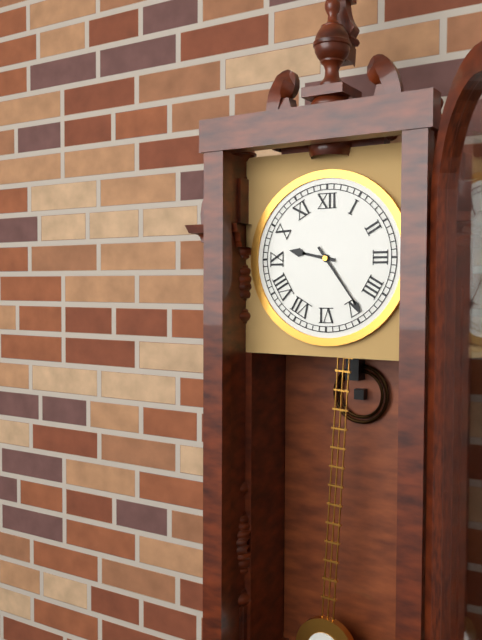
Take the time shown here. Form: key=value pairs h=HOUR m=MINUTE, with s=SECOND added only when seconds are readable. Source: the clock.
h=9 m=24
